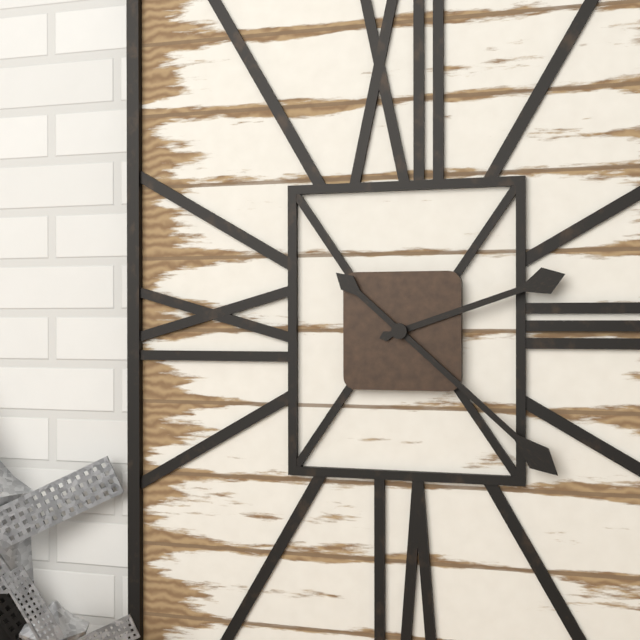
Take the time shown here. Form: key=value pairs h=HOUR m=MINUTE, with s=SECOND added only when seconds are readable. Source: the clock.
h=2 m=22
